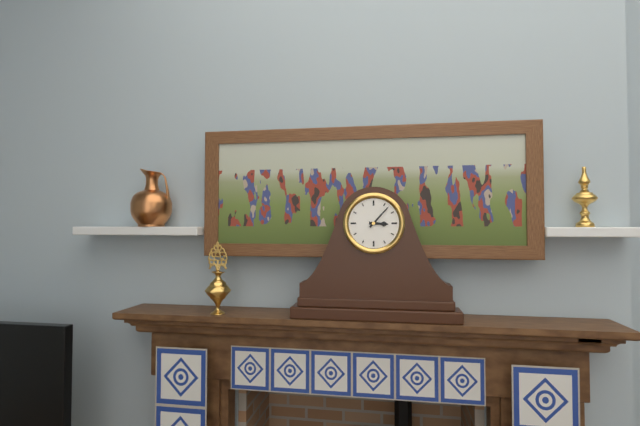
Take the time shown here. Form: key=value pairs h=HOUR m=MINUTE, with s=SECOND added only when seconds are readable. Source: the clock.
h=3 m=7
